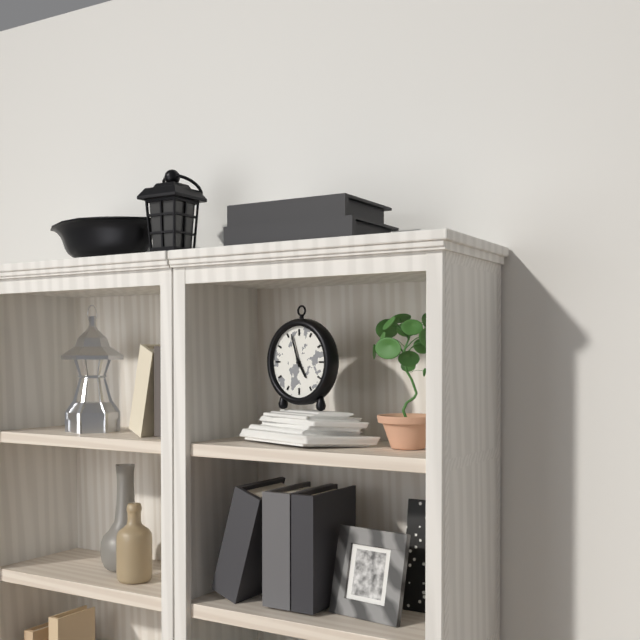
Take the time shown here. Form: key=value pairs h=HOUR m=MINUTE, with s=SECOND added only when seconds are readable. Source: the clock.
h=4 m=57
